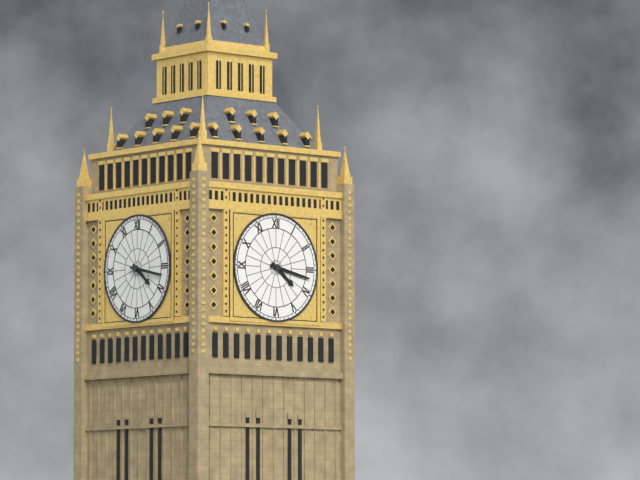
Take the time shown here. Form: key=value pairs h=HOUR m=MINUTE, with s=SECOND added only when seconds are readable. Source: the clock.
h=4 m=17
